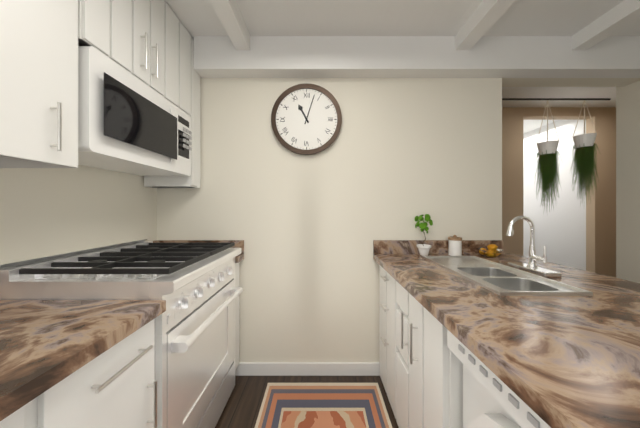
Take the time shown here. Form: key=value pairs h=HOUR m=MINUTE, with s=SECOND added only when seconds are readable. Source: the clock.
h=11 m=3
